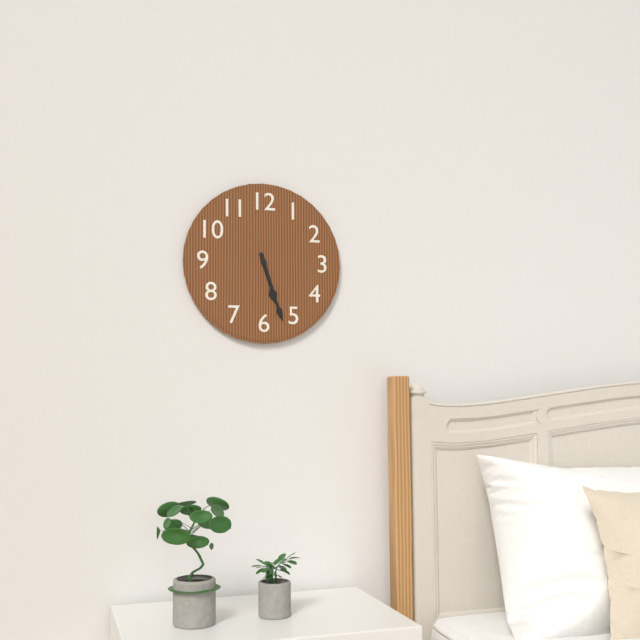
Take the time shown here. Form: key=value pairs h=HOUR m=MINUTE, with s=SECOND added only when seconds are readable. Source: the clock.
h=5 m=27
